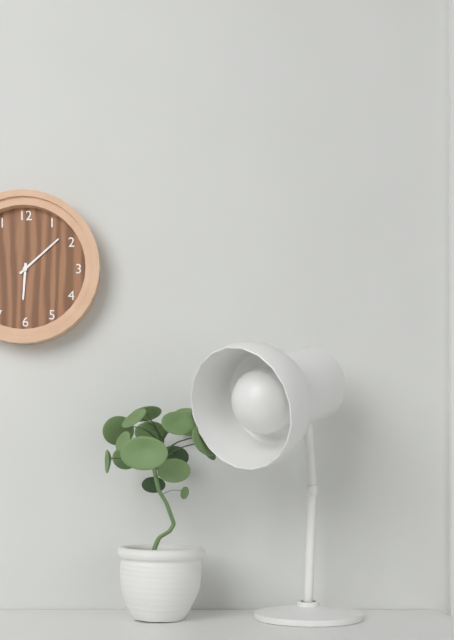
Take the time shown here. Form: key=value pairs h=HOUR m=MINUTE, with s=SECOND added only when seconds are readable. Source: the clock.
h=6 m=8
